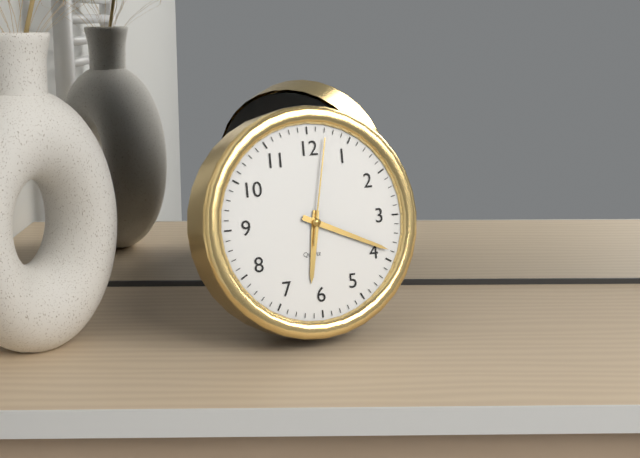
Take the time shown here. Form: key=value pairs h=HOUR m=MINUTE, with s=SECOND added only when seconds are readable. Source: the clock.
h=6 m=19 s=2
